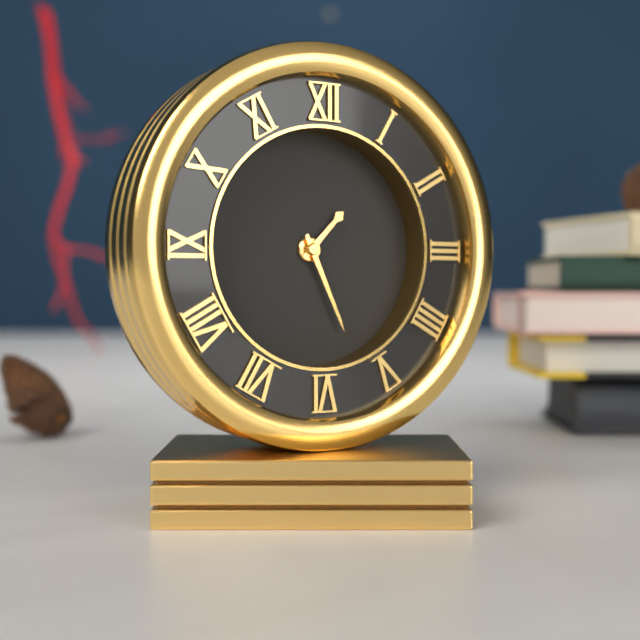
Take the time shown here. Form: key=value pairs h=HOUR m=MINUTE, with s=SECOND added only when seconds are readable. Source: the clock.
h=1 m=26
